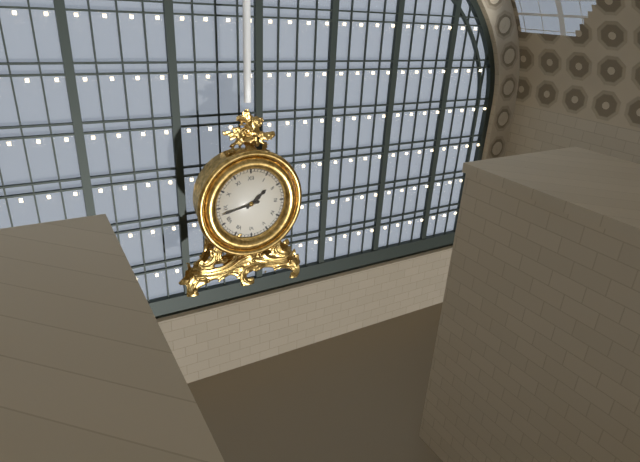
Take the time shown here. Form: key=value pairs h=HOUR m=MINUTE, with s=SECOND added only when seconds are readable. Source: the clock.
h=1 m=43
